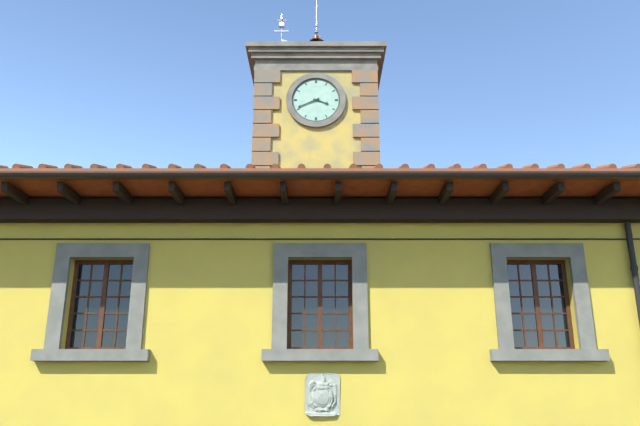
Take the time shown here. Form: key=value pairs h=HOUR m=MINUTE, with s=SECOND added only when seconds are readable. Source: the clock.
h=3 m=41
